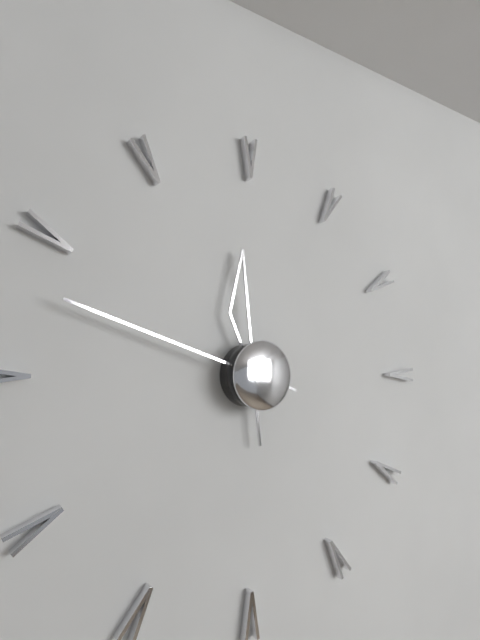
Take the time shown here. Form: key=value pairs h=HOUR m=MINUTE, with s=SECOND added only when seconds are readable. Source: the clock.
h=11 m=48
